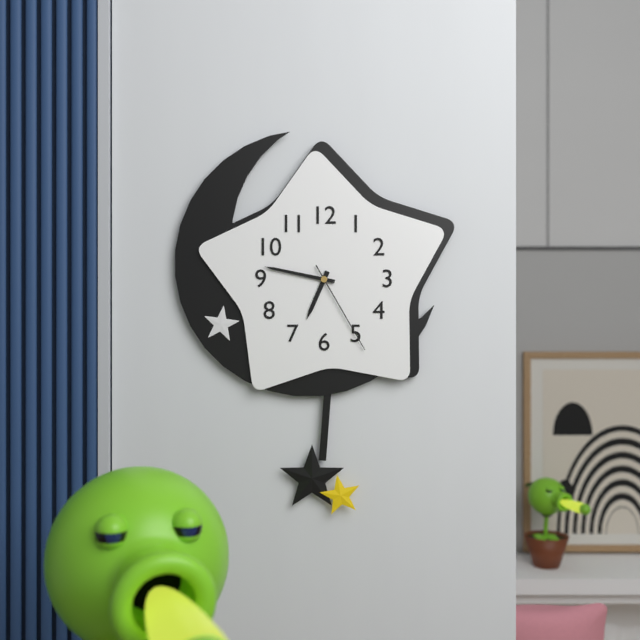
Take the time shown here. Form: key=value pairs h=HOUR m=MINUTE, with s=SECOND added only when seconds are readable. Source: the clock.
h=6 m=47 s=25
